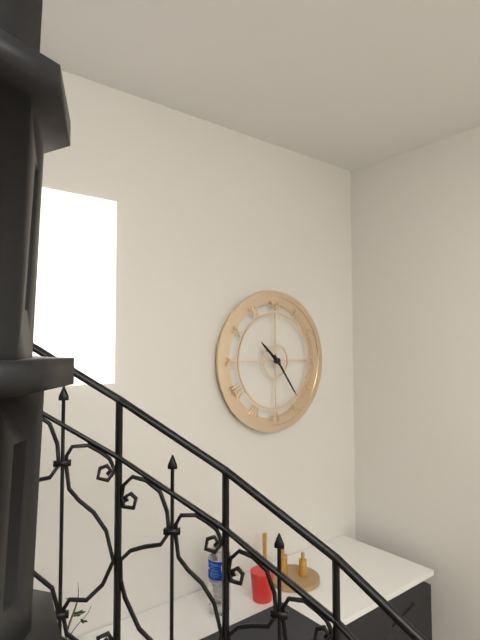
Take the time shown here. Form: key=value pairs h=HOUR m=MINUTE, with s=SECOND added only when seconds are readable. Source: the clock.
h=10 m=24
